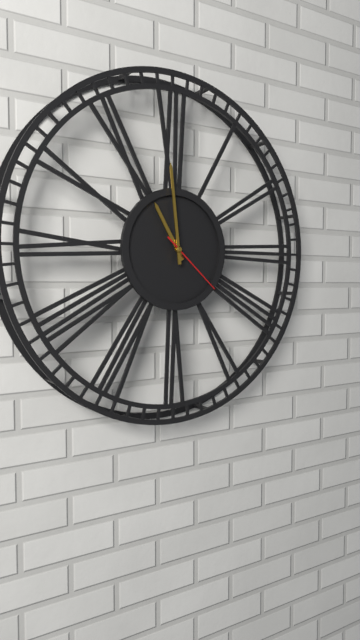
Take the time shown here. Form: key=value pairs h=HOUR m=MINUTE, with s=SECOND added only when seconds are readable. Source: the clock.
h=10 m=59 s=22
